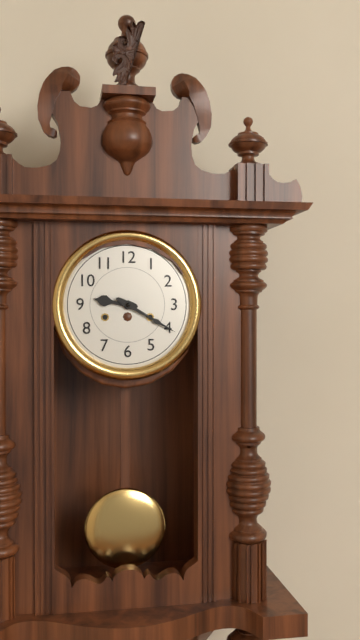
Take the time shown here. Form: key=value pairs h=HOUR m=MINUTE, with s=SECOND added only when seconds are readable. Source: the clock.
h=9 m=20
